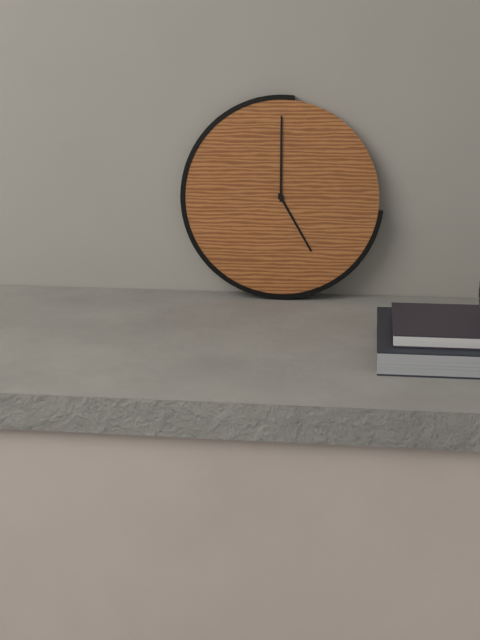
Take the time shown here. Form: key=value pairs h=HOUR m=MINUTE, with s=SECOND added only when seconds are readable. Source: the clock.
h=5 m=0
